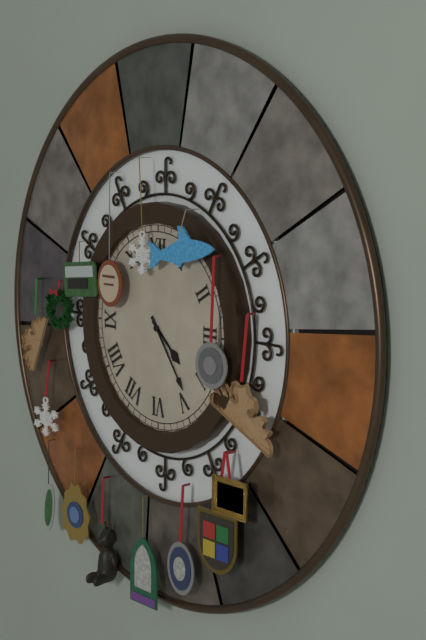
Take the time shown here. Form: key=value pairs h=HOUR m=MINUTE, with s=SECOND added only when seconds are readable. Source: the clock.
h=4 m=24
